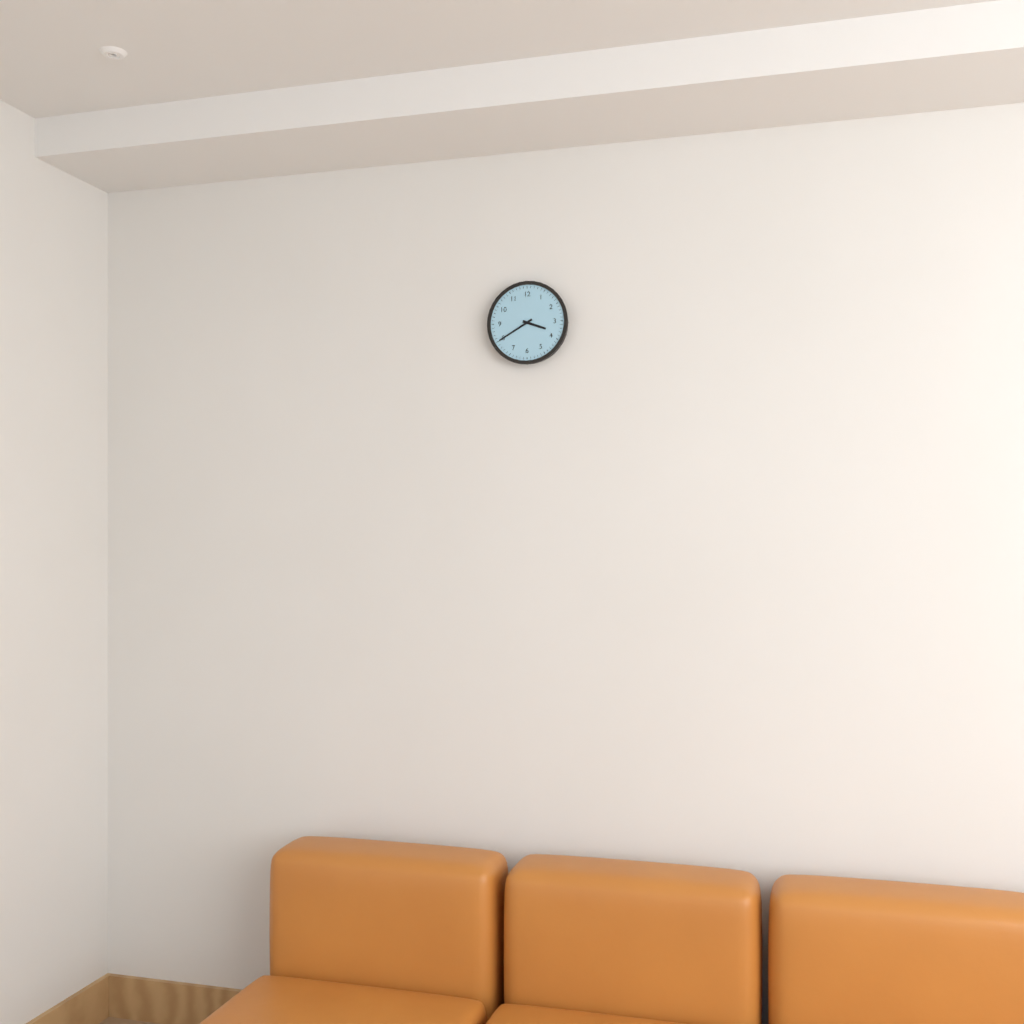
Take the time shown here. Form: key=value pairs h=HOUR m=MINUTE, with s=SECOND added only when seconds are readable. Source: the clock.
h=3 m=40
